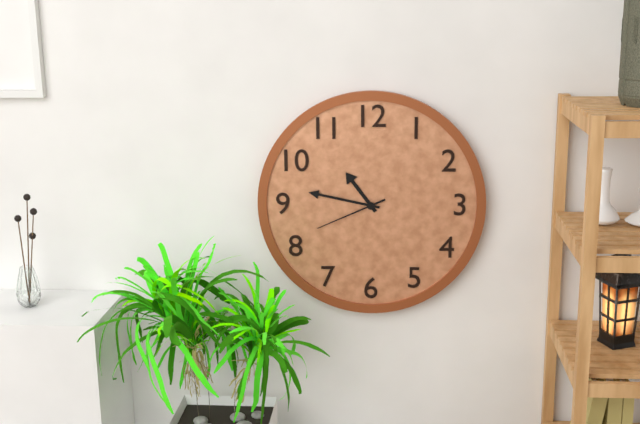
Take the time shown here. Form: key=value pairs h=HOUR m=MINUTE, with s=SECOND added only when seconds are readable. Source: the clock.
h=10 m=47 s=41
